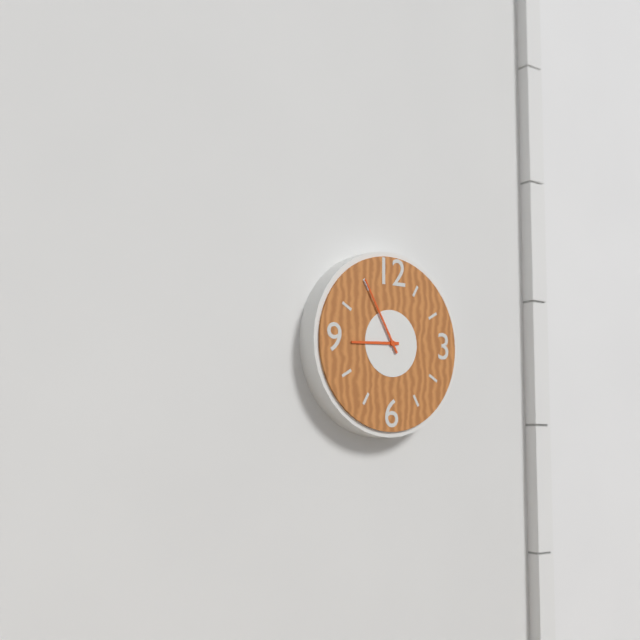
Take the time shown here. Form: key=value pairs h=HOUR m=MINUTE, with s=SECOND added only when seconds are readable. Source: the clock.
h=8 m=55
